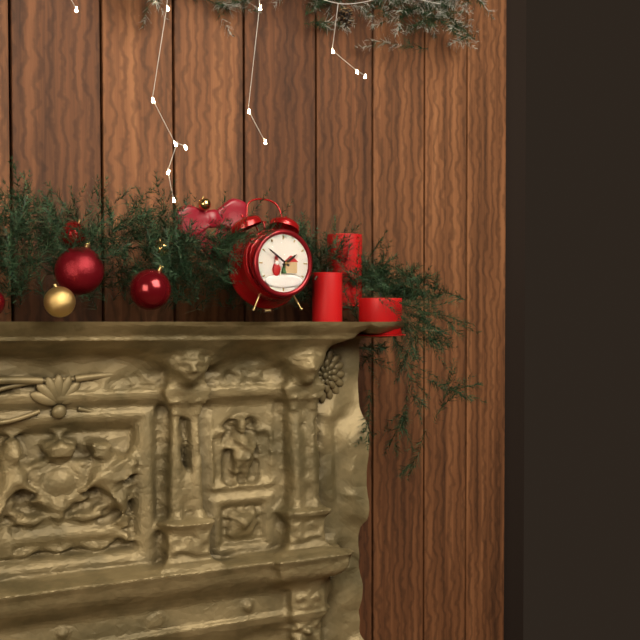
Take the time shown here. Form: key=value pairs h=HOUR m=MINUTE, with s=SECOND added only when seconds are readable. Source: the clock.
h=1 m=51
